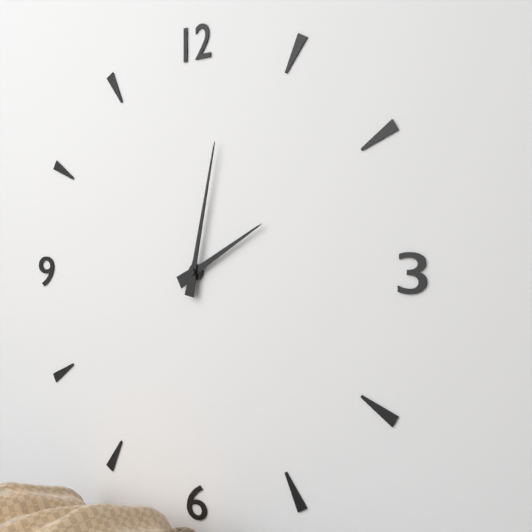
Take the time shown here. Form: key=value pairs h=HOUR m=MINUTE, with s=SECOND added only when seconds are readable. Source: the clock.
h=2 m=2
